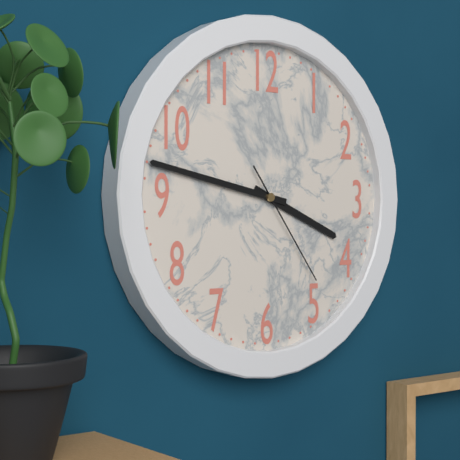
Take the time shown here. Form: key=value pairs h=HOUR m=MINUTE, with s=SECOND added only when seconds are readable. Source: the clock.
h=3 m=47 s=24
